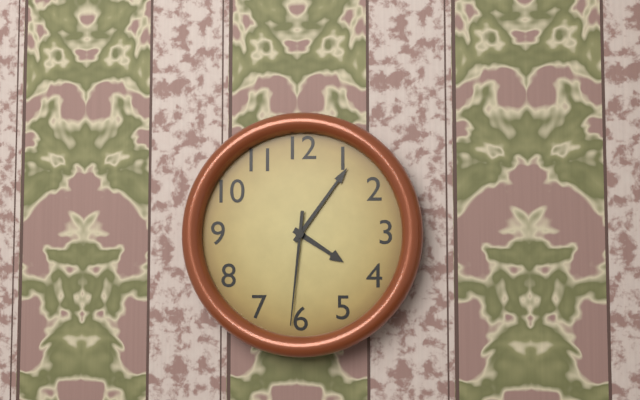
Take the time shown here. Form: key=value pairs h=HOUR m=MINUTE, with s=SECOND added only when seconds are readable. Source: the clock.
h=4 m=6 s=31
